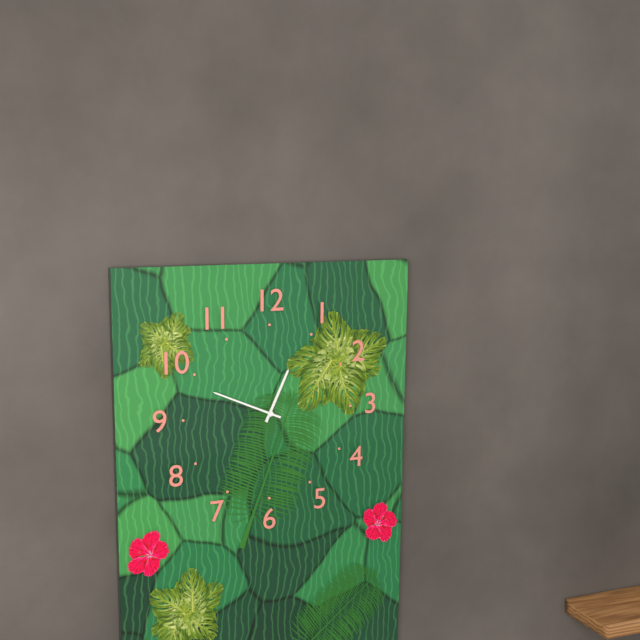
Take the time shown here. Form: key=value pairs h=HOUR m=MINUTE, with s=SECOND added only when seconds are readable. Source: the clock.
h=12 m=49
